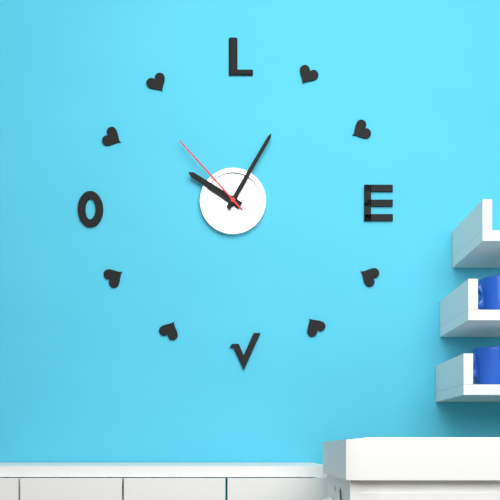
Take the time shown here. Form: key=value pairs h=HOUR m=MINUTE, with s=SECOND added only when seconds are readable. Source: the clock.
h=10 m=5 s=53
